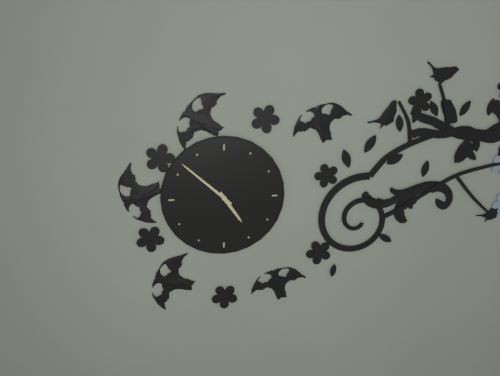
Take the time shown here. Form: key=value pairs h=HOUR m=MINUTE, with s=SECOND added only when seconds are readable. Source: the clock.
h=4 m=52
